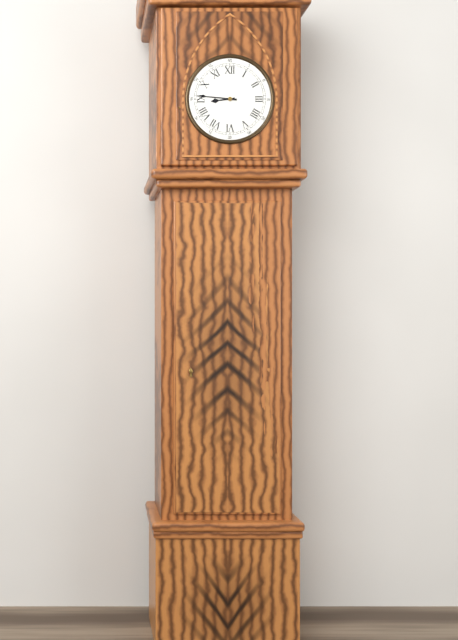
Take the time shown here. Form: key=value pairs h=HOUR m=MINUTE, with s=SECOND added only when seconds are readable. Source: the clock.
h=8 m=46
